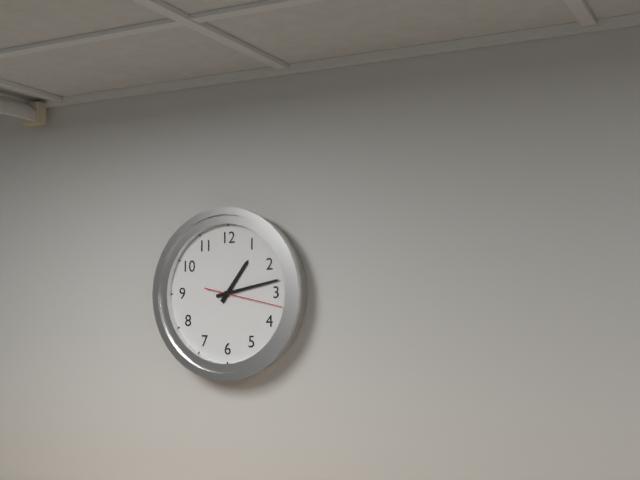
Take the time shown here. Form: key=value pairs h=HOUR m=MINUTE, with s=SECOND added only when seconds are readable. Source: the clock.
h=1 m=13 s=17
